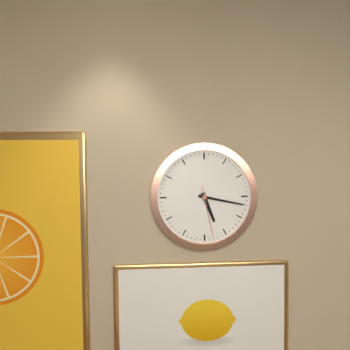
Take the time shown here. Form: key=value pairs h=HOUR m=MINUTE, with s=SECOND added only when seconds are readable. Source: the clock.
h=5 m=17 s=28
